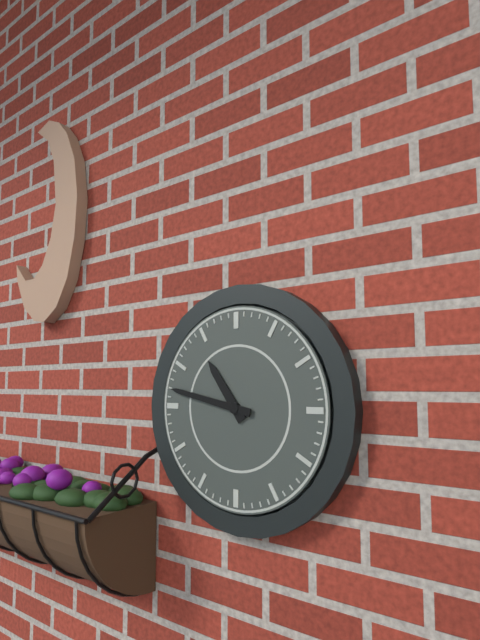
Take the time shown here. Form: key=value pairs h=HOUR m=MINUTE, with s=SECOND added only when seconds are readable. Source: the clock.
h=10 m=47
